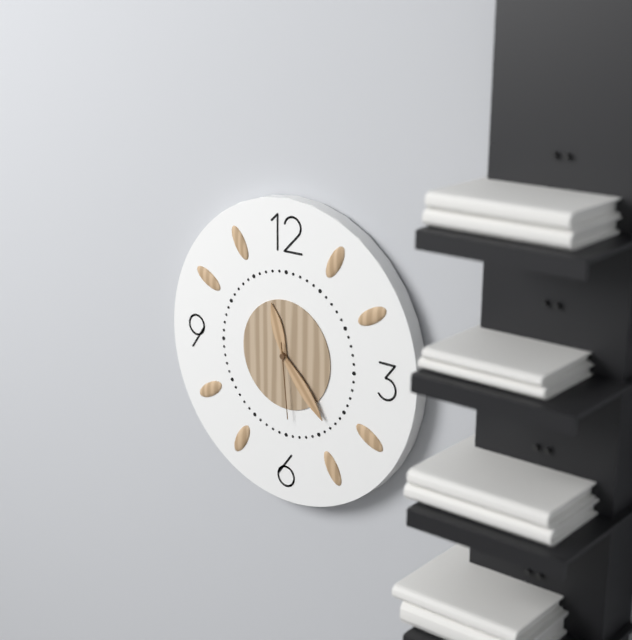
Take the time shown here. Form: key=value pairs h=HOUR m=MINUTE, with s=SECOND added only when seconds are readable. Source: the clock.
h=11 m=23 s=29
